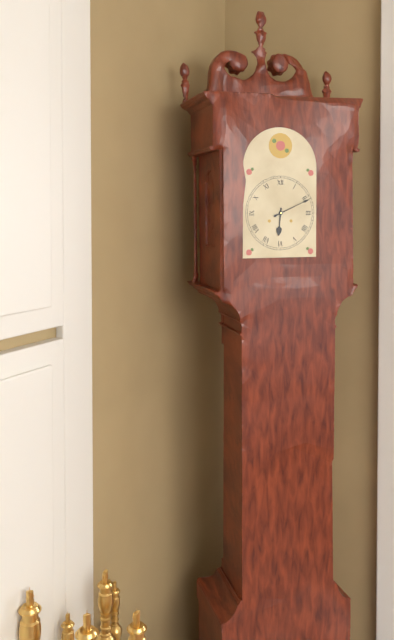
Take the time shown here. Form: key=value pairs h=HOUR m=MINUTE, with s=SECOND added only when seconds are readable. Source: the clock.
h=6 m=11
